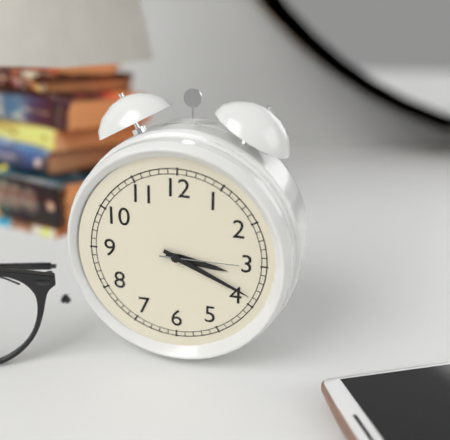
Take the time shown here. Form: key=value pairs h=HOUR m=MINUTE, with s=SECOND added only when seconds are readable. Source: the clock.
h=3 m=19 s=15
